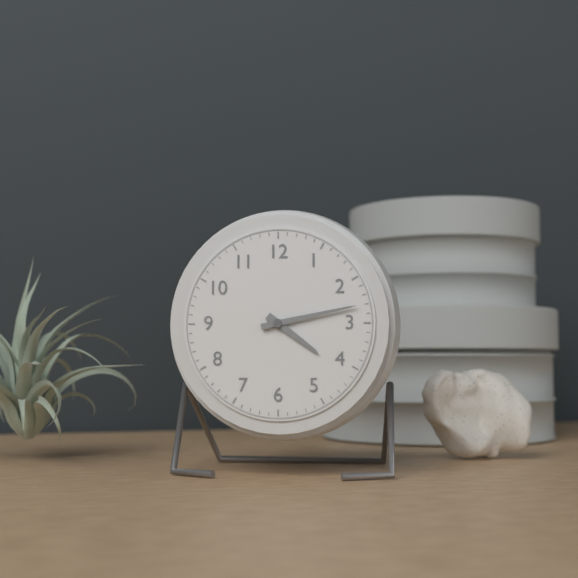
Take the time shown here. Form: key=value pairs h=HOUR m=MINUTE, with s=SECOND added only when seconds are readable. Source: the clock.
h=4 m=13
